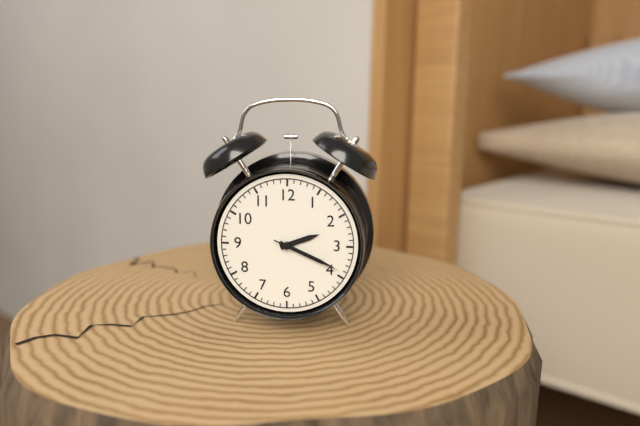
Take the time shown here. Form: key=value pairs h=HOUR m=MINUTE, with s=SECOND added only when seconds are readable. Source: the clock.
h=2 m=19 s=19
